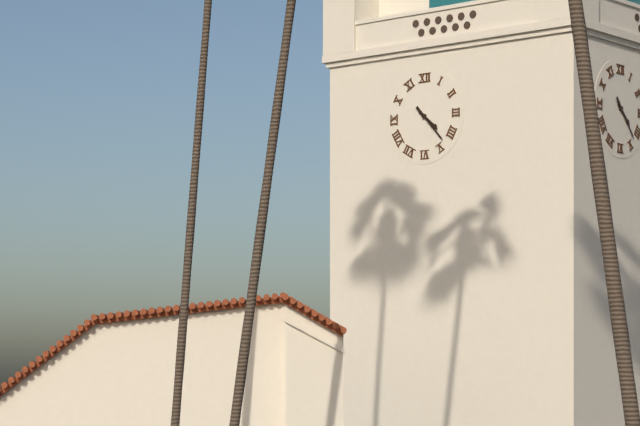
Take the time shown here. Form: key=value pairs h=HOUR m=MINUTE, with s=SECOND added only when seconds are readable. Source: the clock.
h=4 m=23
